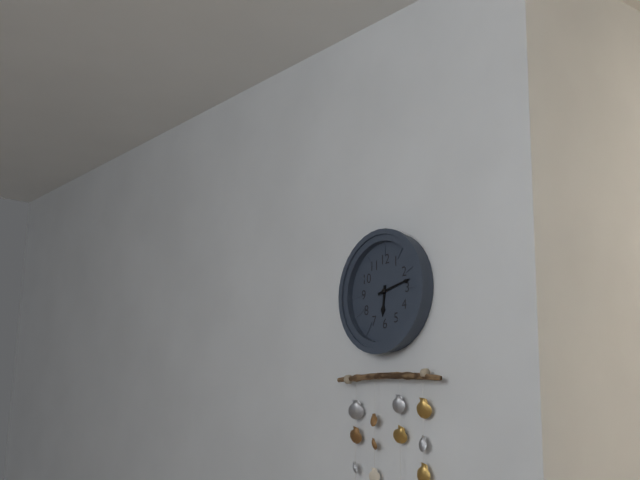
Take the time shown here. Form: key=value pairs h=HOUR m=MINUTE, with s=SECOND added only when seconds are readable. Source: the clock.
h=6 m=13
